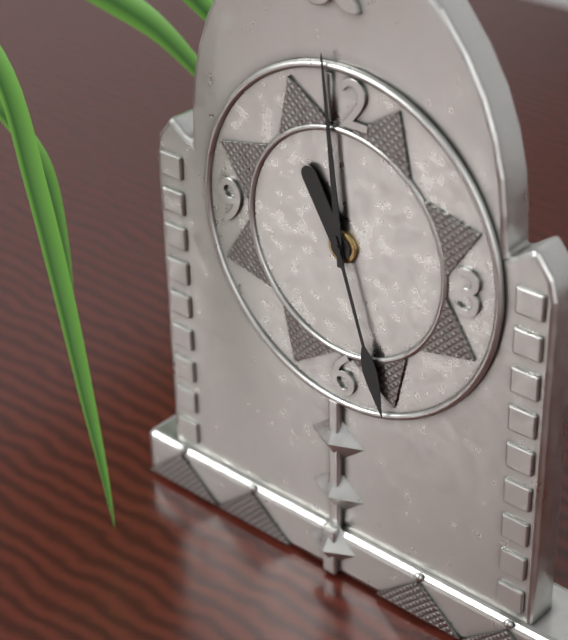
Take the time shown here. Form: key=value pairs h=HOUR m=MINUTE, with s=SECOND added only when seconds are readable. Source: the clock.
h=10 m=59 s=27
